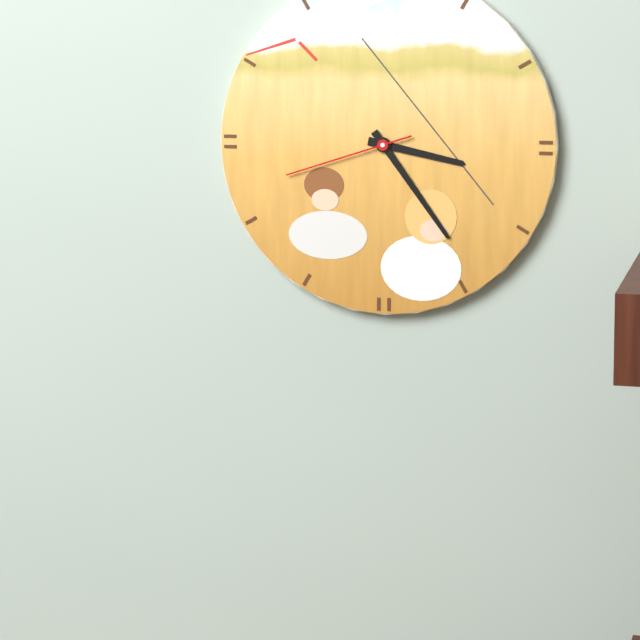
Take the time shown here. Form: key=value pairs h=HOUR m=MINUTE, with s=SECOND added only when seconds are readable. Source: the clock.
h=3 m=24 s=42
